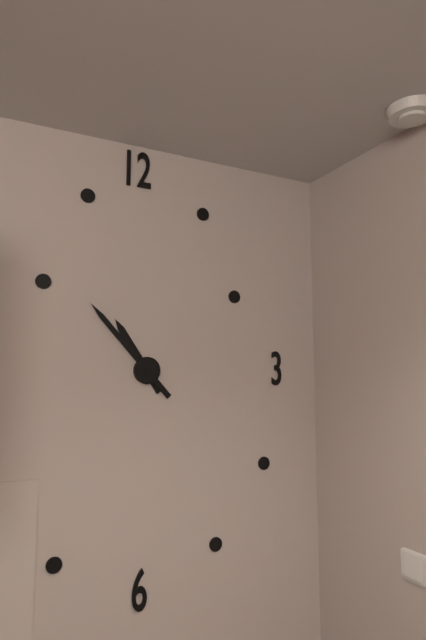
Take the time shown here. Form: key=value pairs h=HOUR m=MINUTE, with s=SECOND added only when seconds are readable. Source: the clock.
h=10 m=53
